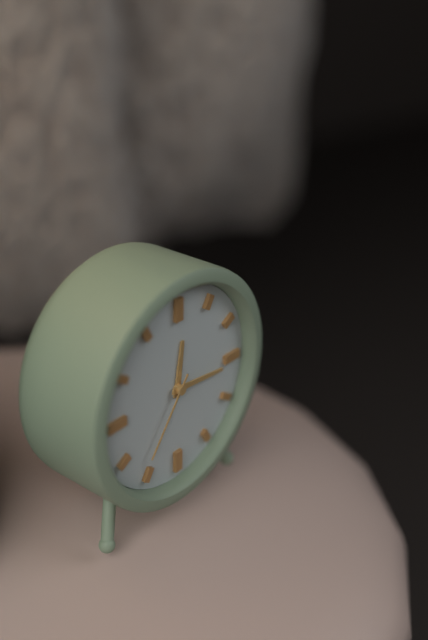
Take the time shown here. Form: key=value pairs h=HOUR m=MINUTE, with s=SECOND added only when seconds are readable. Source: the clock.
h=12 m=16 s=36
